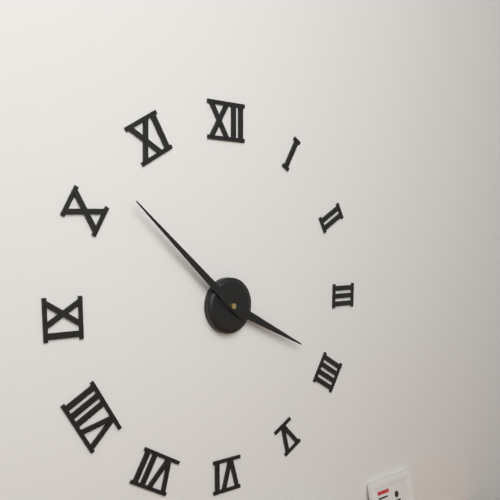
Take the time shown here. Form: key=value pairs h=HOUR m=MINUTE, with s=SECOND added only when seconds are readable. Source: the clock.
h=3 m=52
